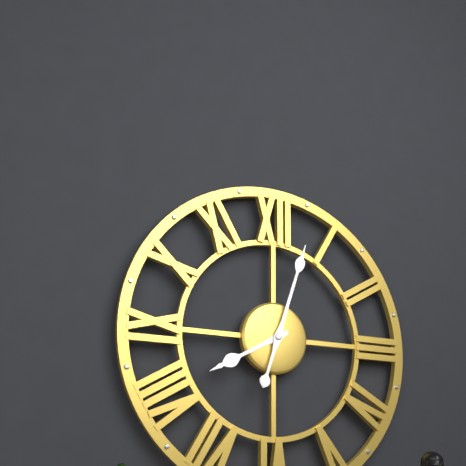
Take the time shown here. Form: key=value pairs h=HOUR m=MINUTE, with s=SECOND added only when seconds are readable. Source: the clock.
h=8 m=3
